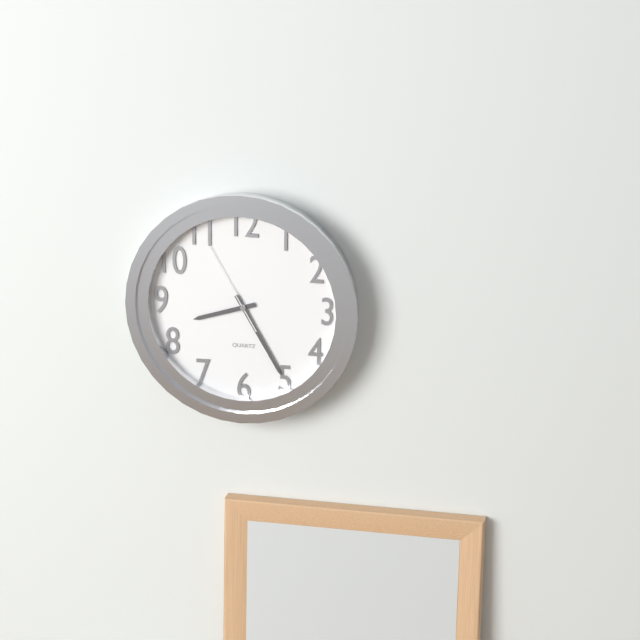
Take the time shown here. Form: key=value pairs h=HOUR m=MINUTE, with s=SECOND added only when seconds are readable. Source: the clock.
h=8 m=25 s=55
